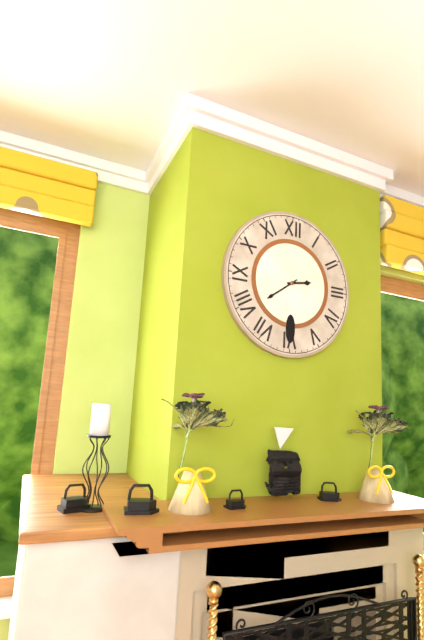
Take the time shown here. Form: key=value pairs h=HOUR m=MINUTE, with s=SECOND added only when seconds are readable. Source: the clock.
h=2 m=39
